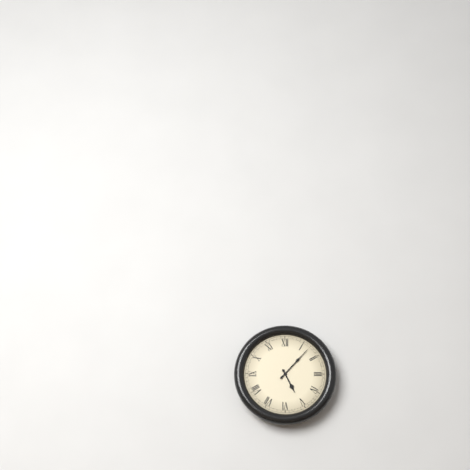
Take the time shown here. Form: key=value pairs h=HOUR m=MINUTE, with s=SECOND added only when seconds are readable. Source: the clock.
h=5 m=7
